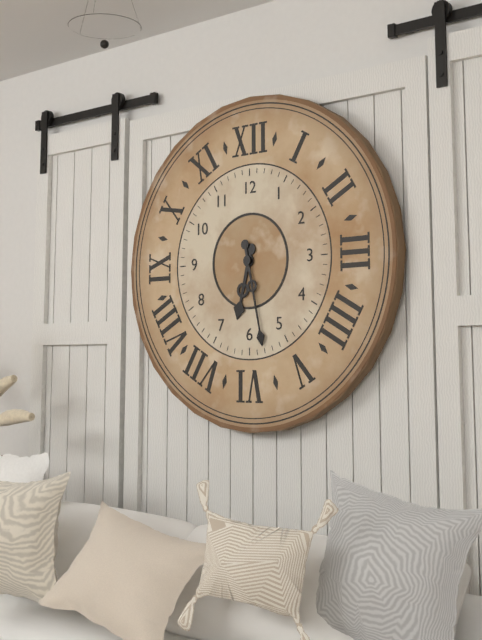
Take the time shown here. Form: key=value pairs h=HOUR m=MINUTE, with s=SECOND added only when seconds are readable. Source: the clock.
h=6 m=28
